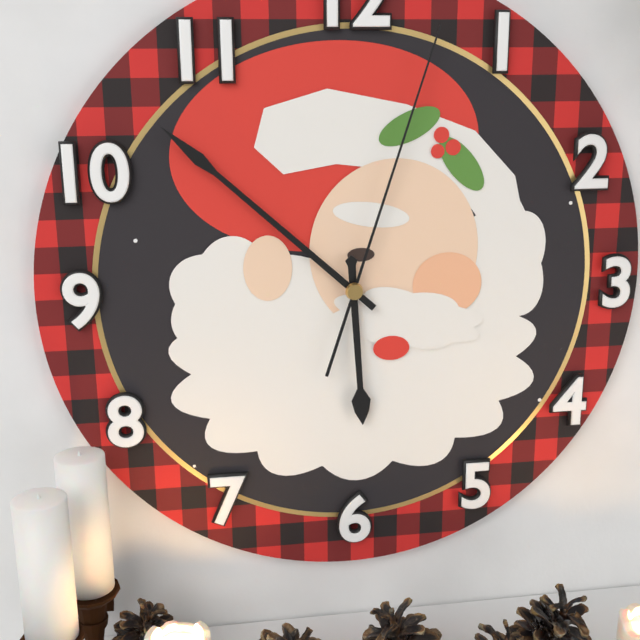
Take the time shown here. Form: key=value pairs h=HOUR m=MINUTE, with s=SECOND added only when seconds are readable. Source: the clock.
h=5 m=52 s=3
